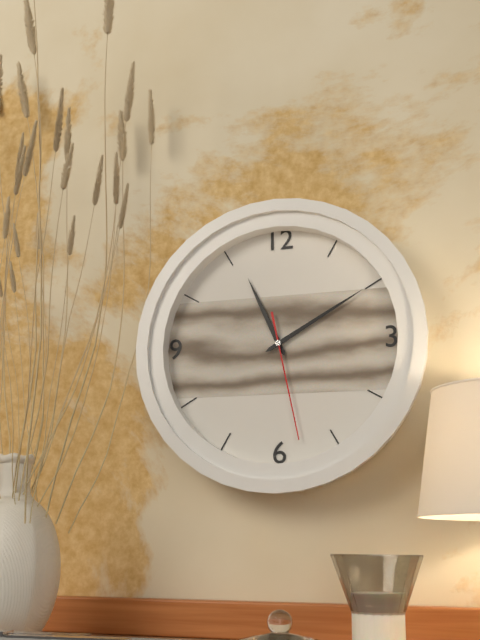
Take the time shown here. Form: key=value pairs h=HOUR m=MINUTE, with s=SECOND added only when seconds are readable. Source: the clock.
h=11 m=10 s=28
